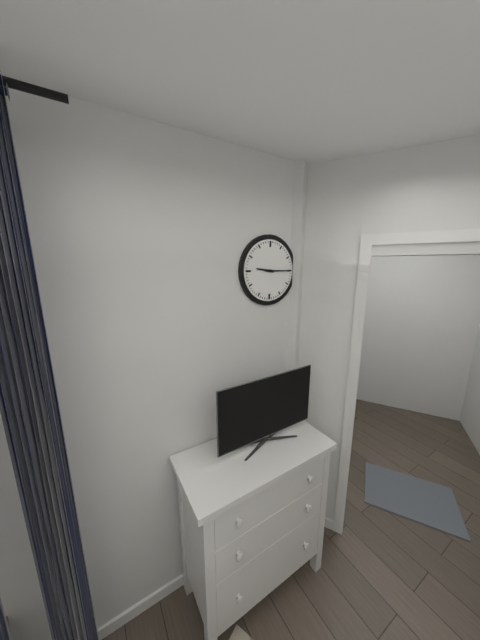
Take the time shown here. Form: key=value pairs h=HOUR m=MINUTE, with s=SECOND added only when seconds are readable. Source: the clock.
h=9 m=15
